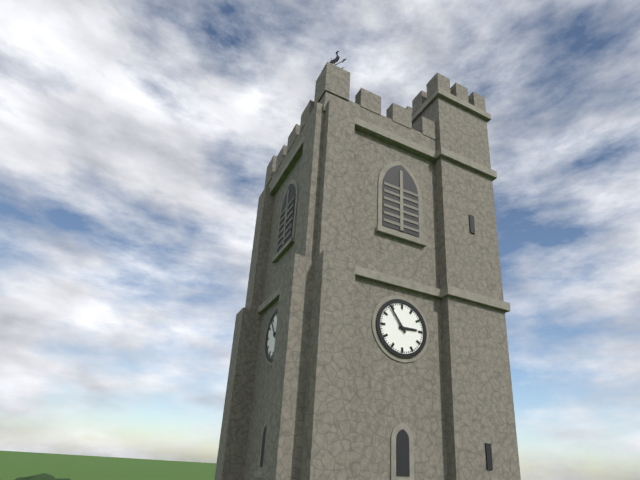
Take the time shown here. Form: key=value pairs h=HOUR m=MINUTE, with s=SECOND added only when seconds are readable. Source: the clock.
h=2 m=54
